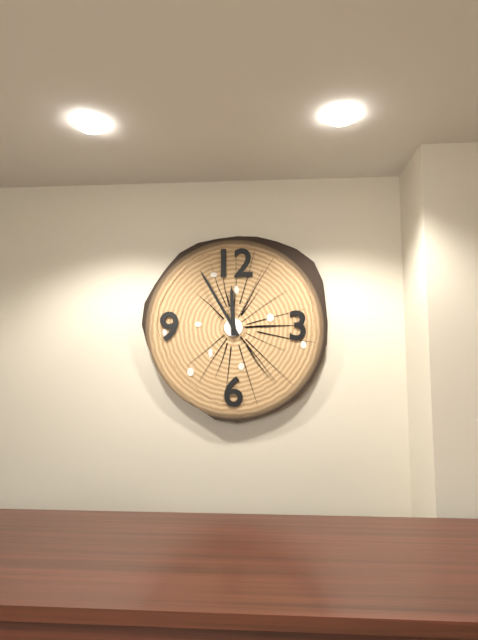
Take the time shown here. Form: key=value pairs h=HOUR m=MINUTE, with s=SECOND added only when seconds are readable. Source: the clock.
h=11 m=55
